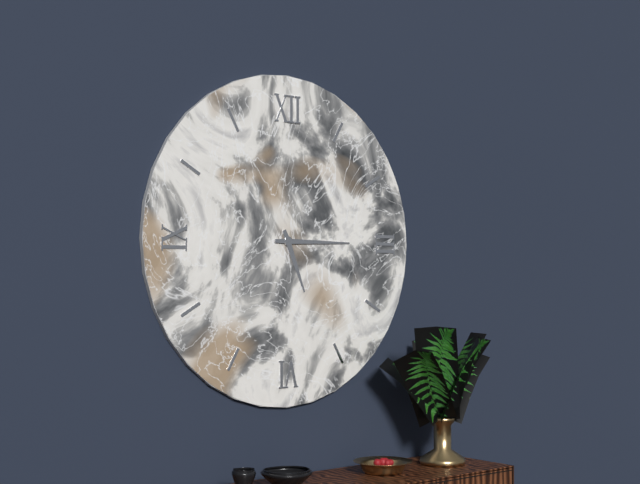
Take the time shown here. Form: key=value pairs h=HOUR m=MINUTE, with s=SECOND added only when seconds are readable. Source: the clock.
h=5 m=15
